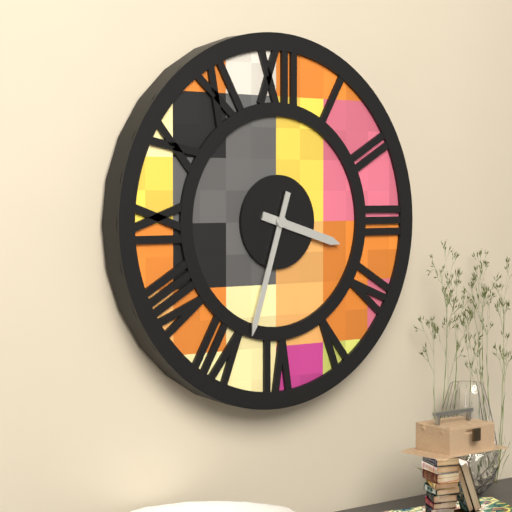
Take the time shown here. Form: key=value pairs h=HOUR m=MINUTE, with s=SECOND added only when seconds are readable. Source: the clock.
h=3 m=33
